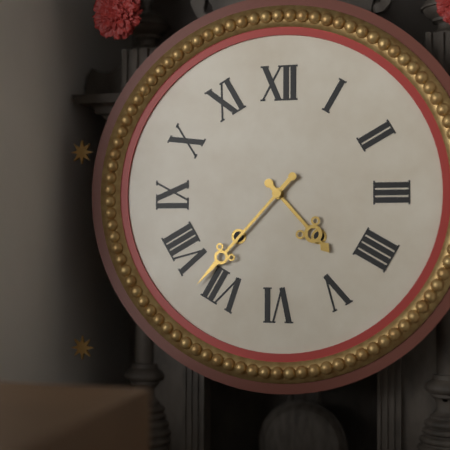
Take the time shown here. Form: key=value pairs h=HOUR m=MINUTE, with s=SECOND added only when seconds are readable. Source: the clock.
h=4 m=37
